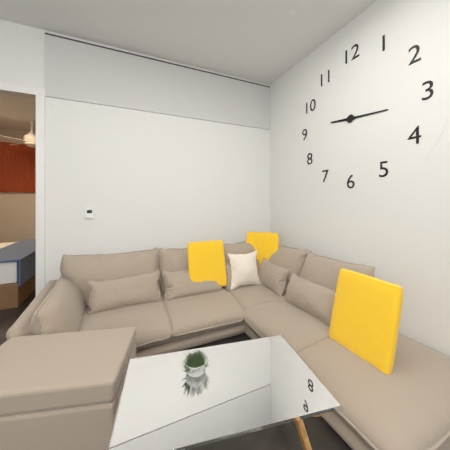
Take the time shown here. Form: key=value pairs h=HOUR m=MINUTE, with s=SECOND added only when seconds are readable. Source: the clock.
h=9 m=16
